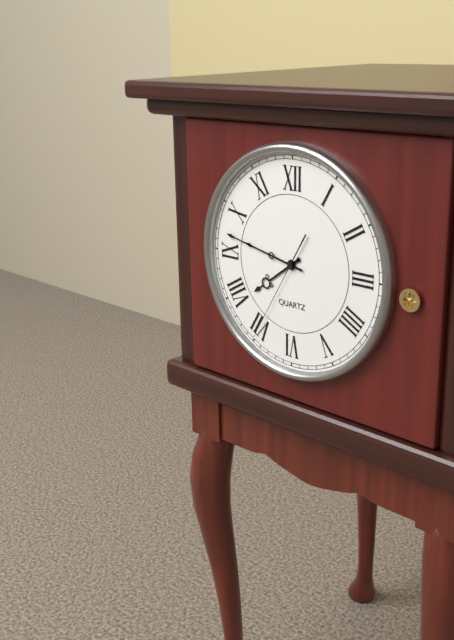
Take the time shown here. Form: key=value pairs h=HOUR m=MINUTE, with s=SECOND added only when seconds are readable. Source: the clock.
h=7 m=47 s=35
